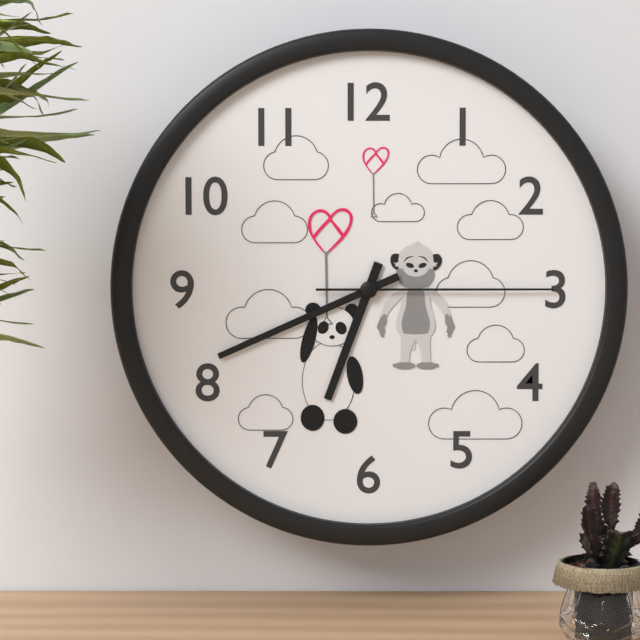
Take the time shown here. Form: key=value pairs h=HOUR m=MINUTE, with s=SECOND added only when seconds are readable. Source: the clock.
h=6 m=41 s=15
